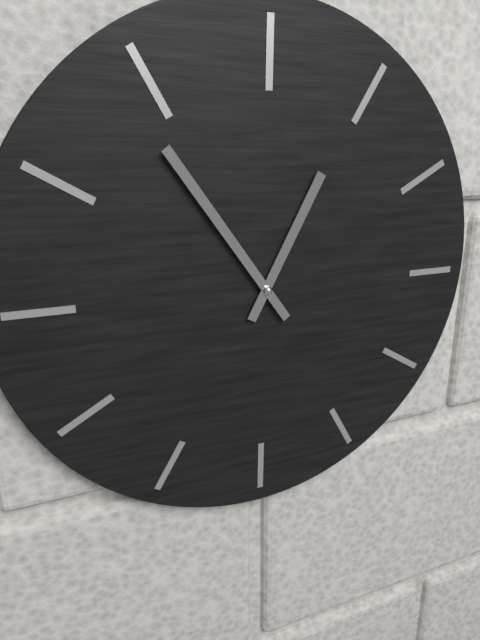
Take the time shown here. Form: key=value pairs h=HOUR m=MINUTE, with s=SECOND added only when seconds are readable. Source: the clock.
h=12 m=54
